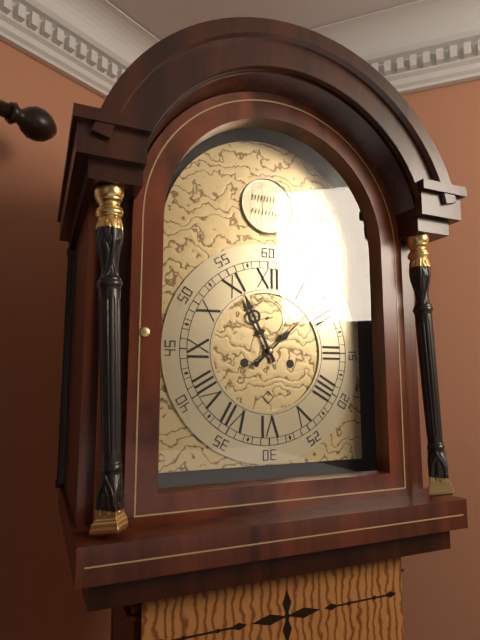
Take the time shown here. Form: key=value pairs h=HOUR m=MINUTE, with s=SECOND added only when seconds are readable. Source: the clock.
h=11 m=8
